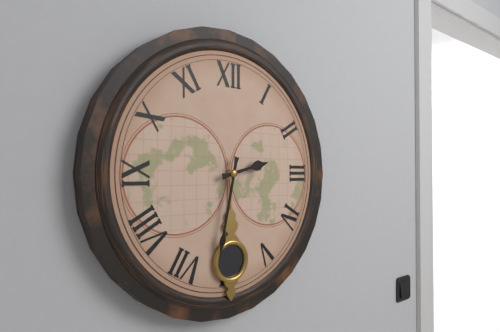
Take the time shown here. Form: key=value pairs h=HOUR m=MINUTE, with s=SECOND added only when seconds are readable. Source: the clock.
h=2 m=32
